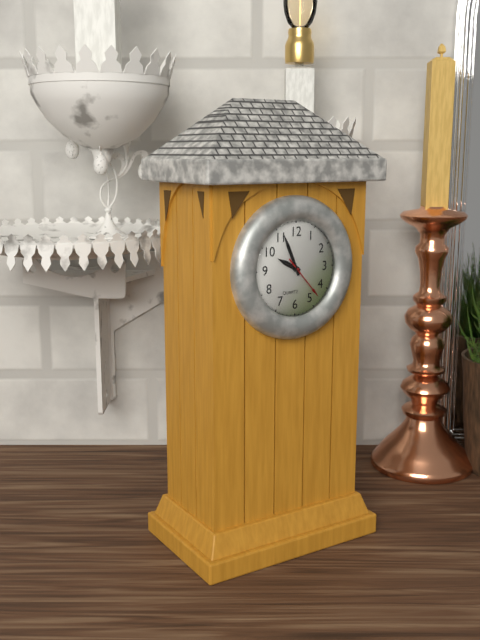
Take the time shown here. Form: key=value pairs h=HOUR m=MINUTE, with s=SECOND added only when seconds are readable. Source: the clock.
h=9 m=56
